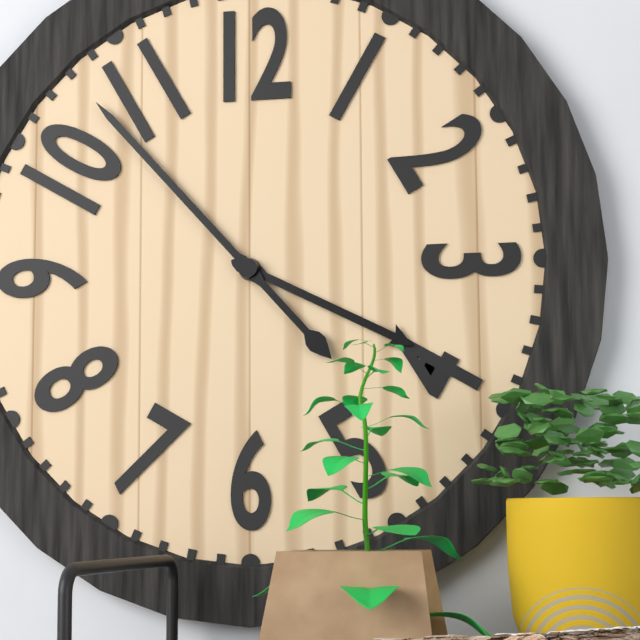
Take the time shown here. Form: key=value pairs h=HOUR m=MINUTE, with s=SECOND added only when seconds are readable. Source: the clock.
h=3 m=53
